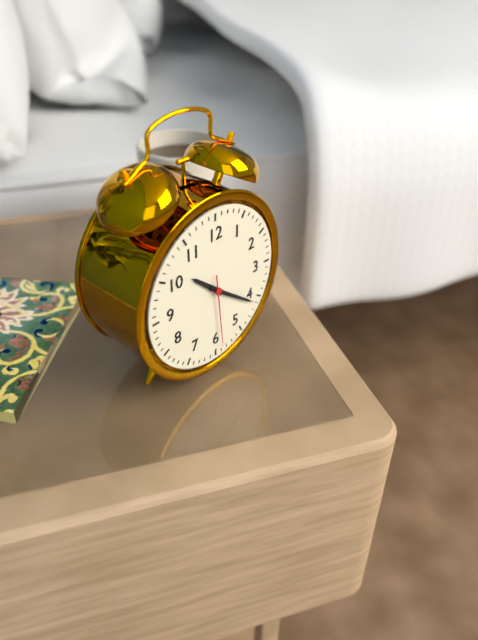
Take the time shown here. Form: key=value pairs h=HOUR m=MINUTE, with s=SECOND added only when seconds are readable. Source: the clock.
h=10 m=21 s=29
